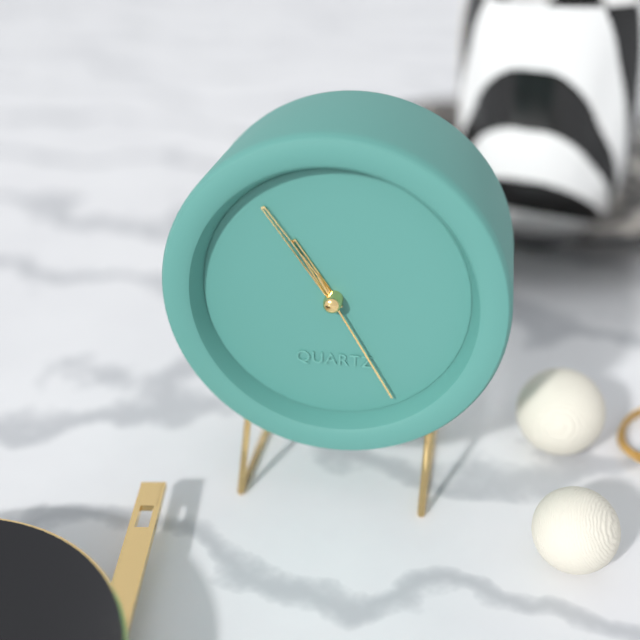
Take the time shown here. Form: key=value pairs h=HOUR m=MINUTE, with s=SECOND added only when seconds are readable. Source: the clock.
h=10 m=54 s=25
